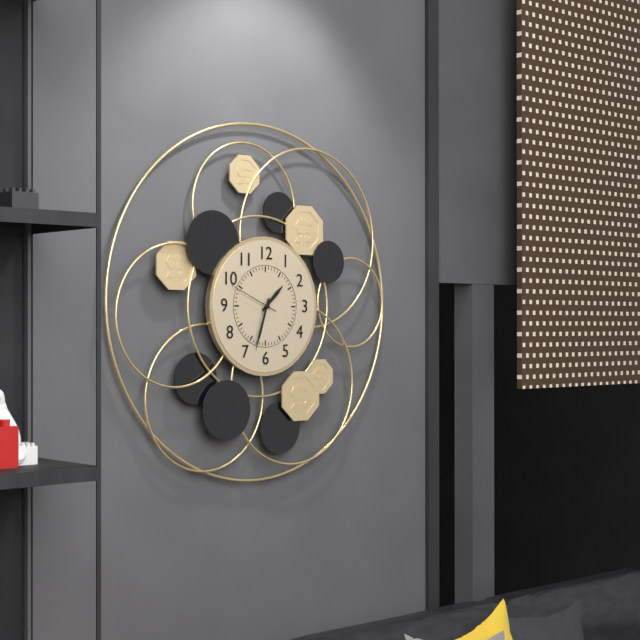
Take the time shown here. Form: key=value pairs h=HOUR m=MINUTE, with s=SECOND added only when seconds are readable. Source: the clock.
h=1 m=33
